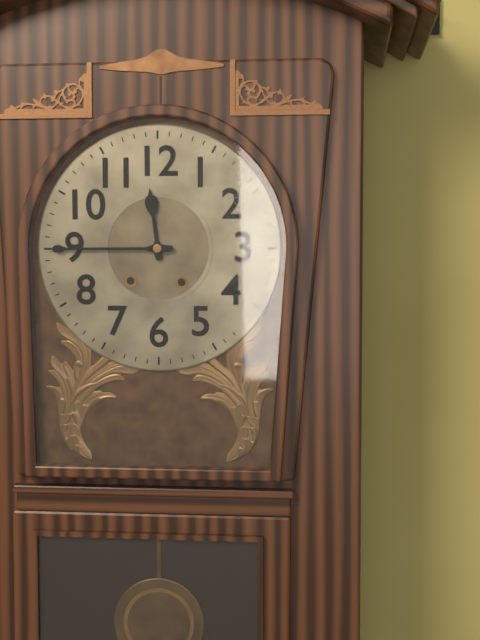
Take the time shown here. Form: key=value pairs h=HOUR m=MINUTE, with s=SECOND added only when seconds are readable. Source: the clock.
h=11 m=45
